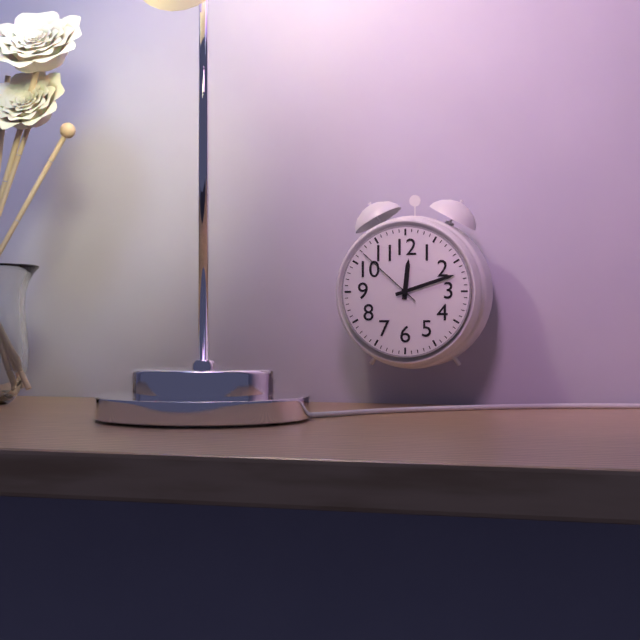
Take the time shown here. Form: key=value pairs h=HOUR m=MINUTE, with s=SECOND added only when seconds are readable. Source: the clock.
h=12 m=12 s=52
